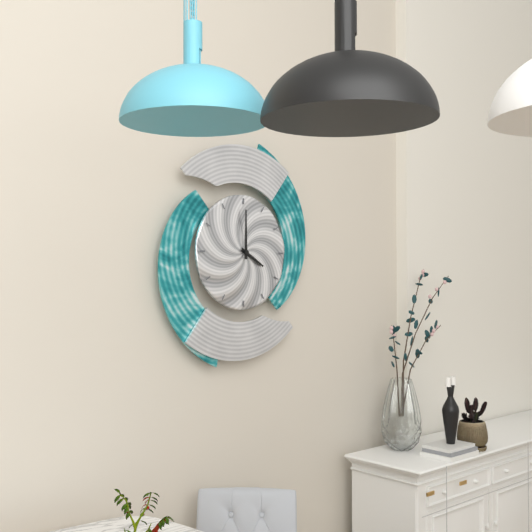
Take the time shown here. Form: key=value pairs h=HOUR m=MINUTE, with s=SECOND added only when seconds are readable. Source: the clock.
h=4 m=0
